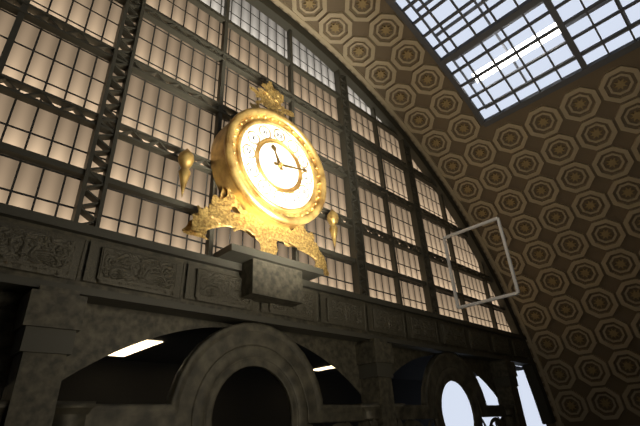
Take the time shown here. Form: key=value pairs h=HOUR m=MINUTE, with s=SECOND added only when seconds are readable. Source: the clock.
h=11 m=13
